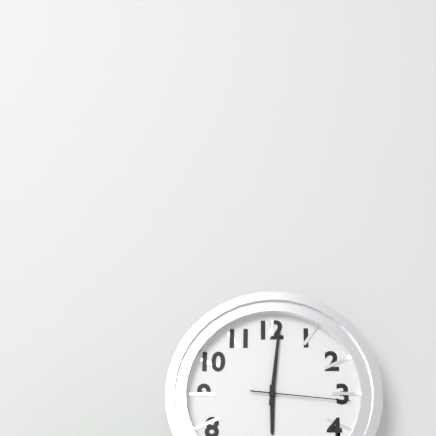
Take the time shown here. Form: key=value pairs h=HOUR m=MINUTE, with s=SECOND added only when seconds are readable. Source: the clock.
h=6 m=1 s=16
